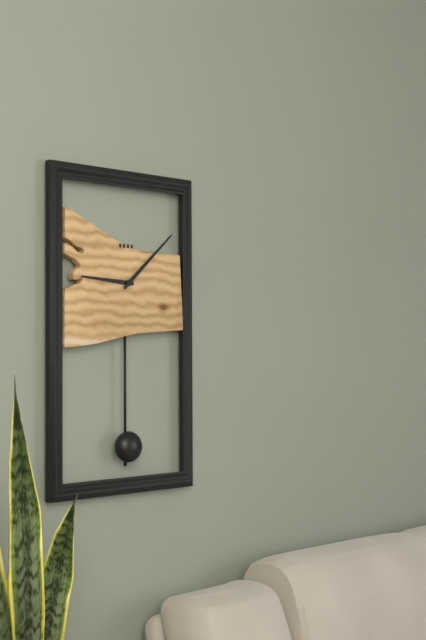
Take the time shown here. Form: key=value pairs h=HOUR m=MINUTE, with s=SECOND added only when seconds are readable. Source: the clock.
h=9 m=8
